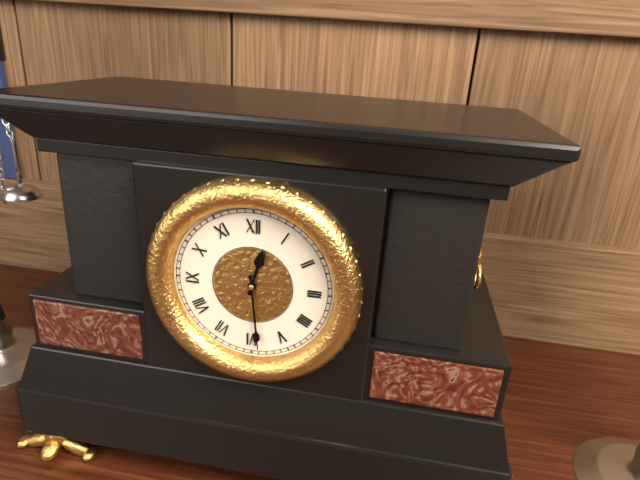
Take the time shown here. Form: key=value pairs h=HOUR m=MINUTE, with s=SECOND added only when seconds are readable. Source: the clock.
h=12 m=29
